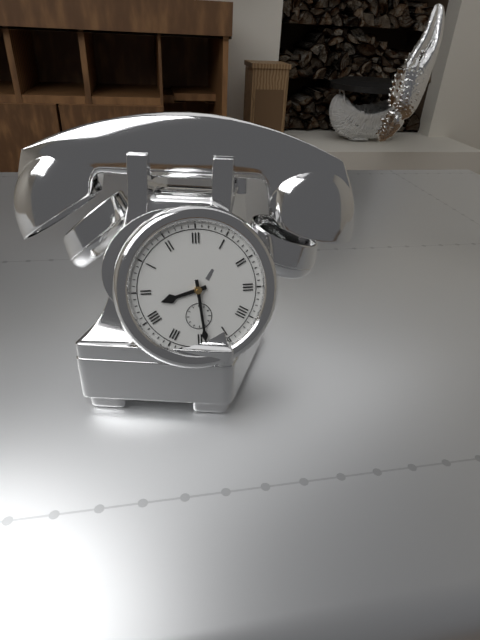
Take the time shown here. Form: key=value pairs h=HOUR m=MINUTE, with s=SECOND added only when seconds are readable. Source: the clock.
h=8 m=29
